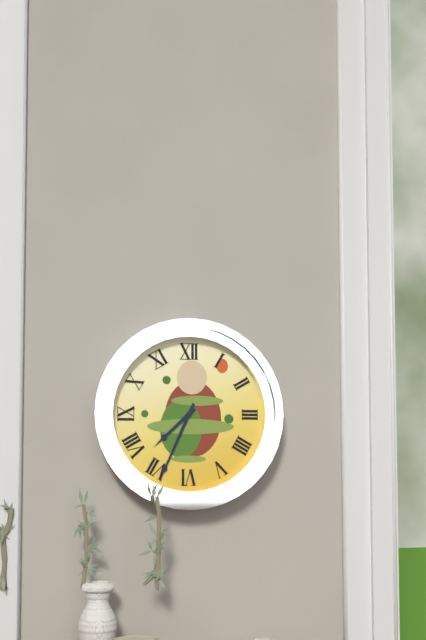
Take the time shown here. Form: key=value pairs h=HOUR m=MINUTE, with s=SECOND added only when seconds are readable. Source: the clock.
h=7 m=34
